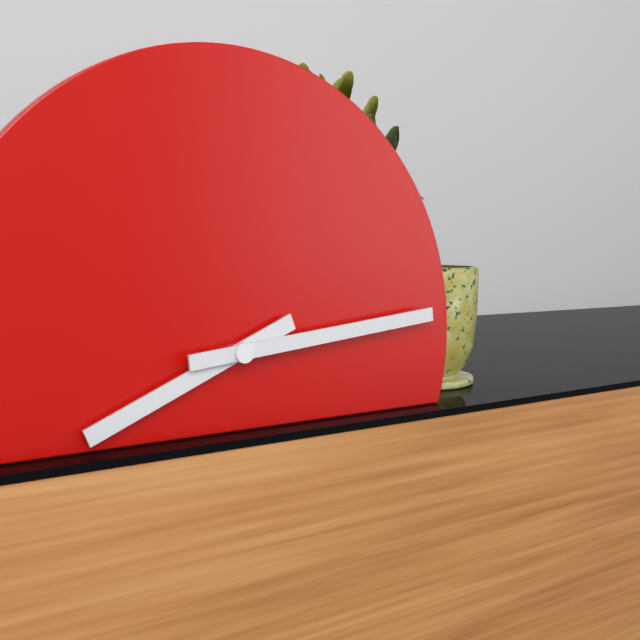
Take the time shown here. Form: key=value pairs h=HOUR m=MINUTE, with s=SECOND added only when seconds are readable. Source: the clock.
h=8 m=14
